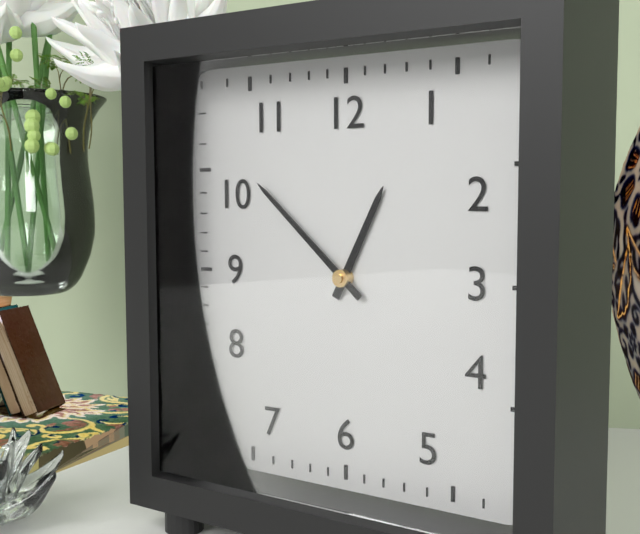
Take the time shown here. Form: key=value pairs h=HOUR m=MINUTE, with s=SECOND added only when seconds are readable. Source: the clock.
h=12 m=52
